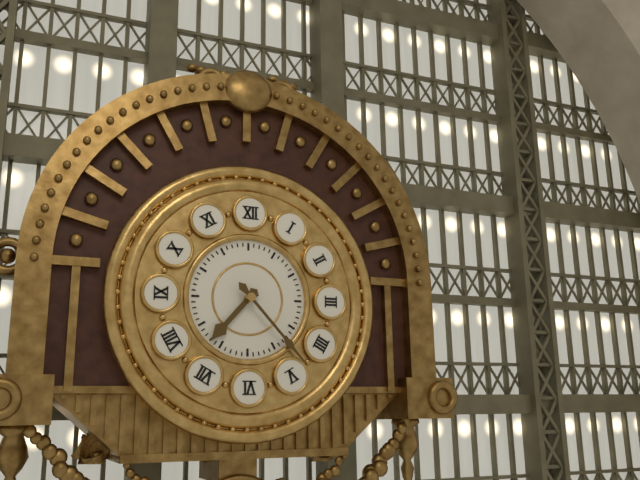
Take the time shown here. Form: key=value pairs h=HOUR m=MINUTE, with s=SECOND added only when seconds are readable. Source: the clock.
h=7 m=23
